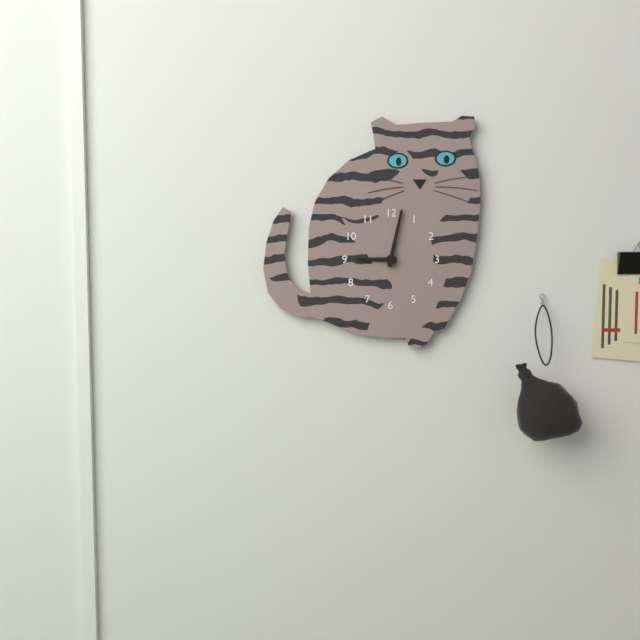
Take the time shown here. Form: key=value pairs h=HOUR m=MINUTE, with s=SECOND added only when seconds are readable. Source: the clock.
h=9 m=2
